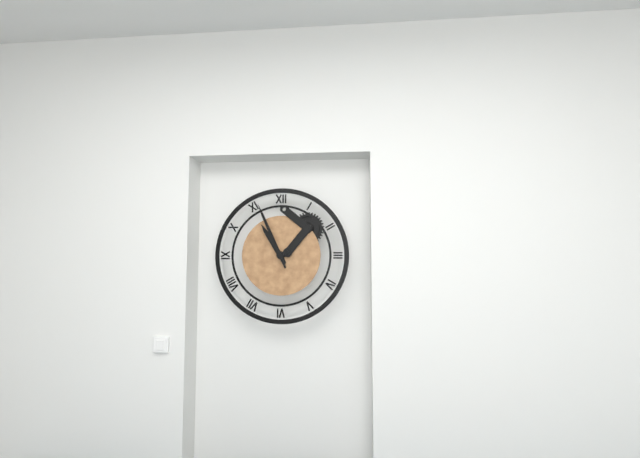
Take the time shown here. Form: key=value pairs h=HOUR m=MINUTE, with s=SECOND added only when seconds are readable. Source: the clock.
h=10 m=56
